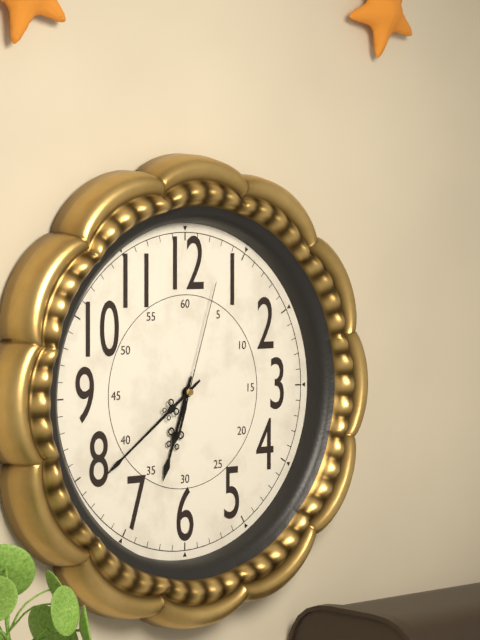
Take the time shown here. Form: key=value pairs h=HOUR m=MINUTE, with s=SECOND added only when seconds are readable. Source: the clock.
h=6 m=39 s=3
